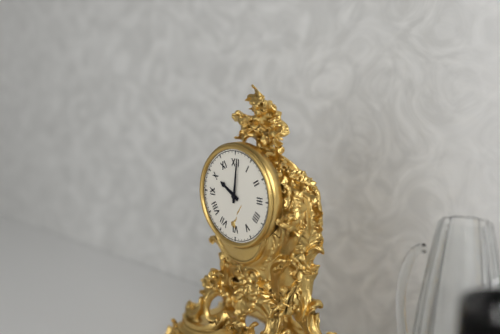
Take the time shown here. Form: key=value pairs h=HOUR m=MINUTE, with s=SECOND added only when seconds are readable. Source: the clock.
h=10 m=1
